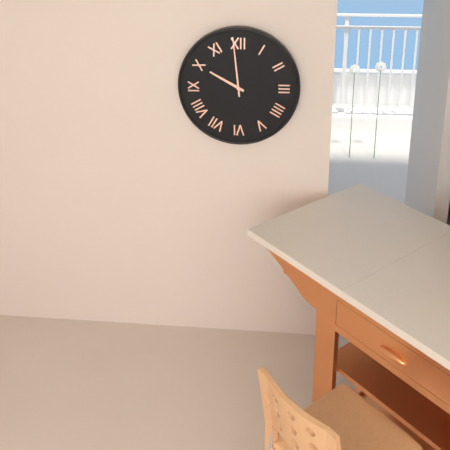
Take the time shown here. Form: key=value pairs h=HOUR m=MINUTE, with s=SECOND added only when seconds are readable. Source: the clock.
h=9 m=59
